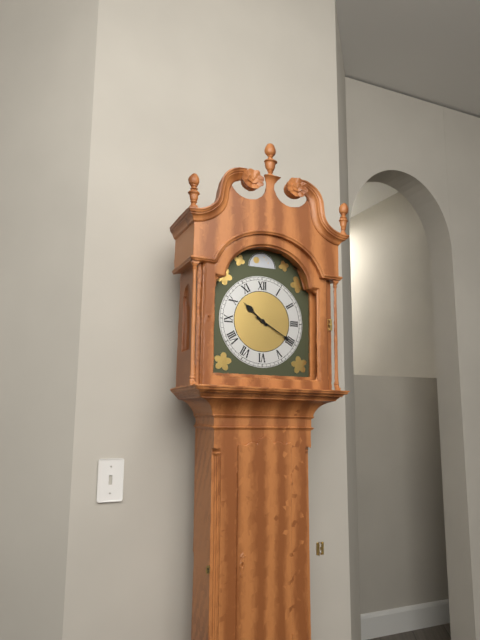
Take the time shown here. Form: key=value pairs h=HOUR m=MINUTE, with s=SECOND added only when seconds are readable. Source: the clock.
h=10 m=20
